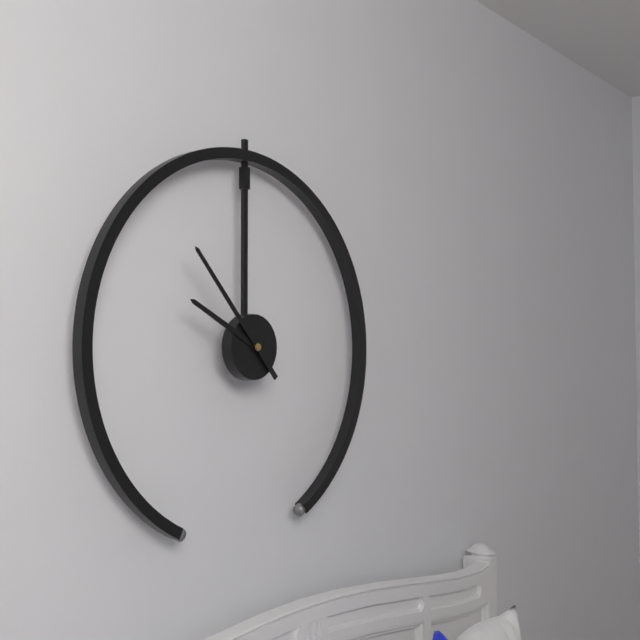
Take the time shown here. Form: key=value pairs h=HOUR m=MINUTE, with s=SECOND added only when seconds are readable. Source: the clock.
h=9 m=53
